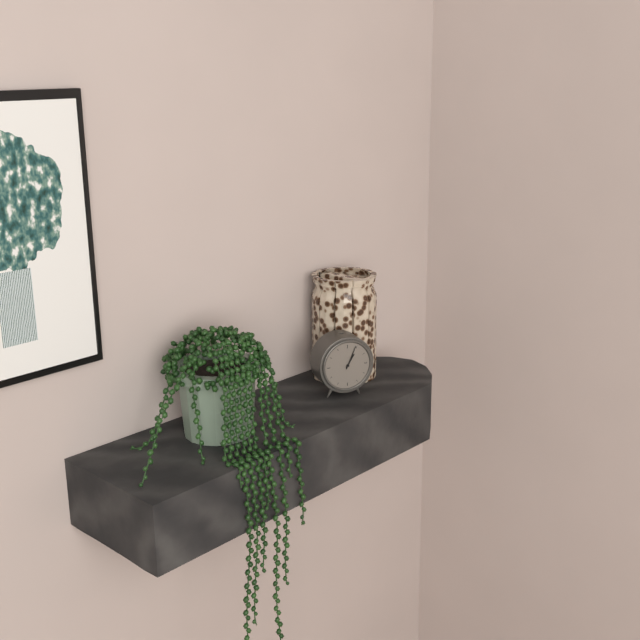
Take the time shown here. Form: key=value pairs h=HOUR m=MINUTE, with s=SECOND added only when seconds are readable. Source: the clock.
h=1 m=4
